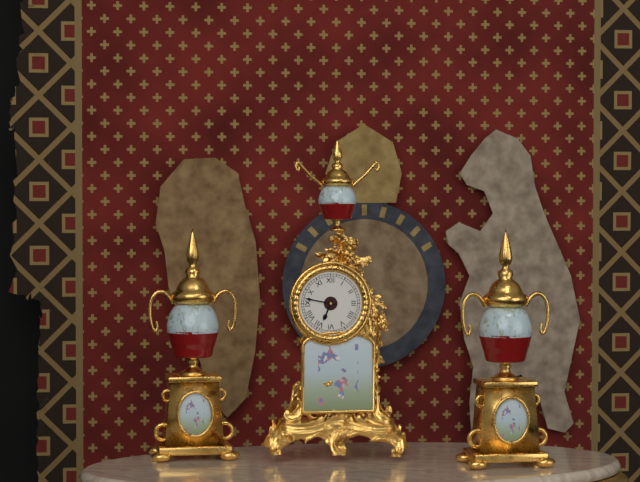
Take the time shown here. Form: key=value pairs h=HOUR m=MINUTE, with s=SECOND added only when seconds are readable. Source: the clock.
h=6 m=47
